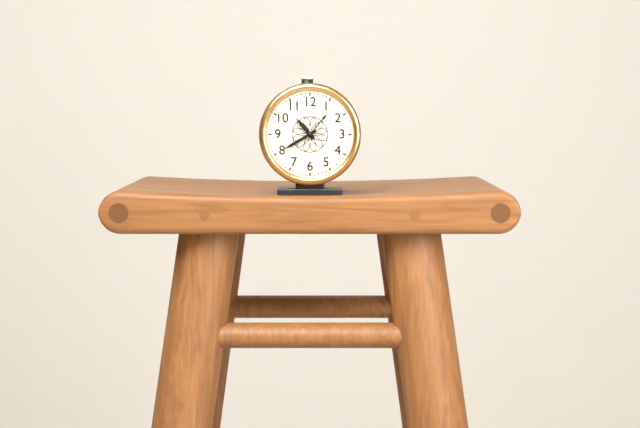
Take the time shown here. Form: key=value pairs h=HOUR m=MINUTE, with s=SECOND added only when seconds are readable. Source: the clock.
h=10 m=40
